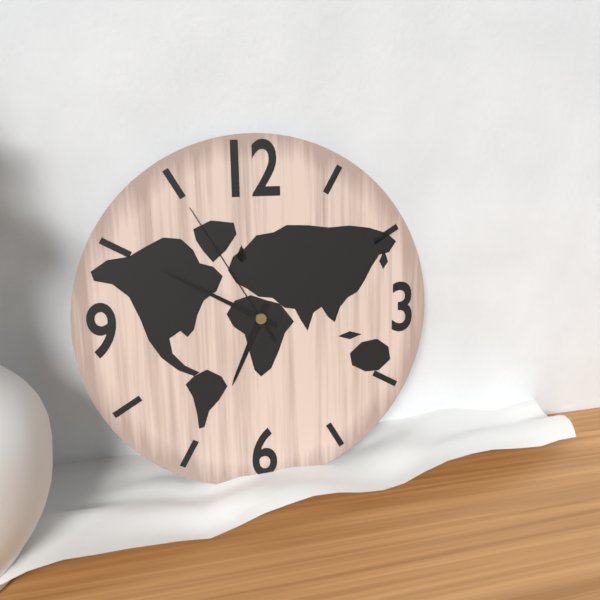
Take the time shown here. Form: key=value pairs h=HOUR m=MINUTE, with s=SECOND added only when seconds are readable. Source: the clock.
h=6 m=50 s=55
